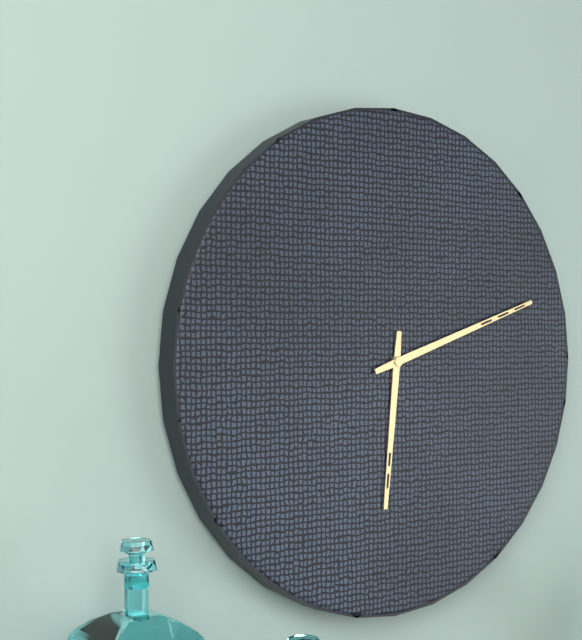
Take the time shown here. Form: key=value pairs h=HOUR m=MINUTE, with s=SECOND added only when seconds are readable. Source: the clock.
h=6 m=12
